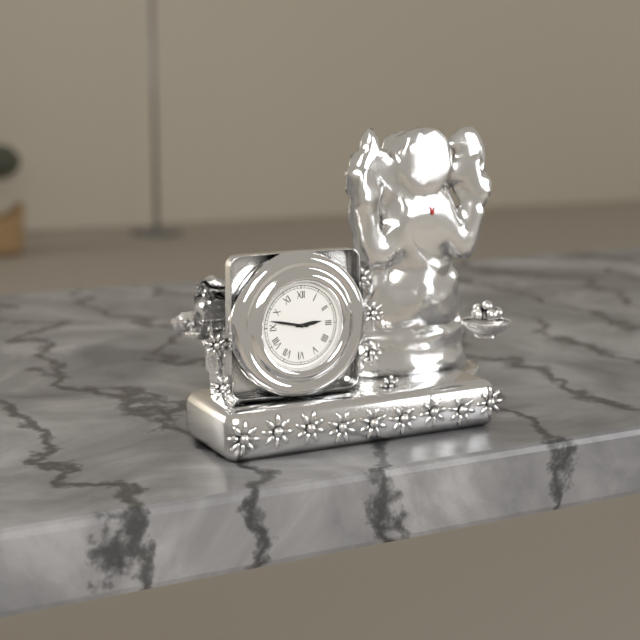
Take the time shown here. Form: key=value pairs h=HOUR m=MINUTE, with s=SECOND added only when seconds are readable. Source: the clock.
h=2 m=47
